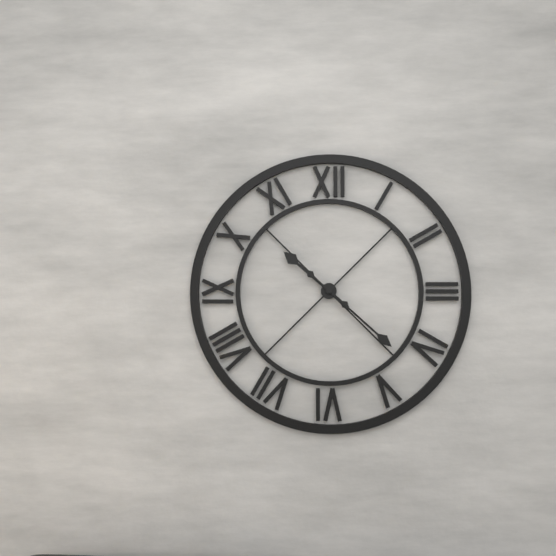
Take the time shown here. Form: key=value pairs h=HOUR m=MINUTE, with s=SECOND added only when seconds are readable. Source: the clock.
h=10 m=22
